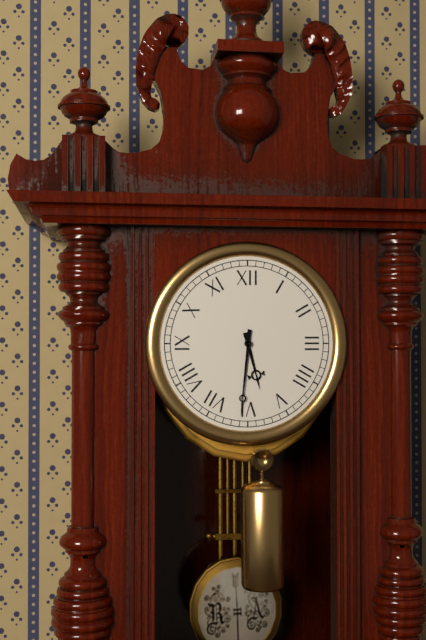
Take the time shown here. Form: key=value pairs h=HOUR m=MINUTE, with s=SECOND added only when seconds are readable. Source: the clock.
h=5 m=31
